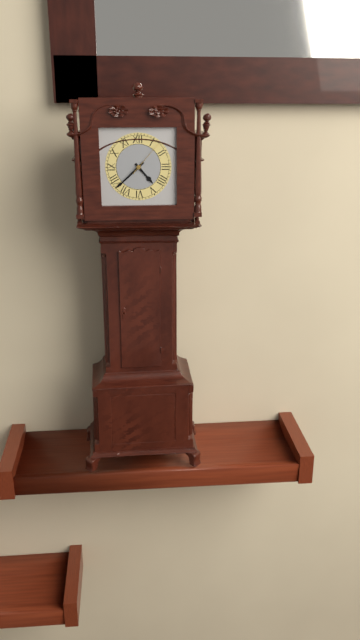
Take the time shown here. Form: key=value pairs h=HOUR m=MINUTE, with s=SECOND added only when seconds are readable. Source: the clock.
h=4 m=38
